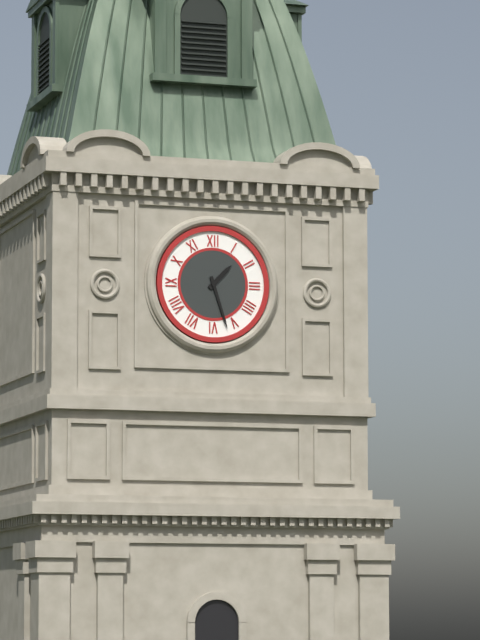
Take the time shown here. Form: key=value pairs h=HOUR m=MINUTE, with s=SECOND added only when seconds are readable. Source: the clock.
h=1 m=27
